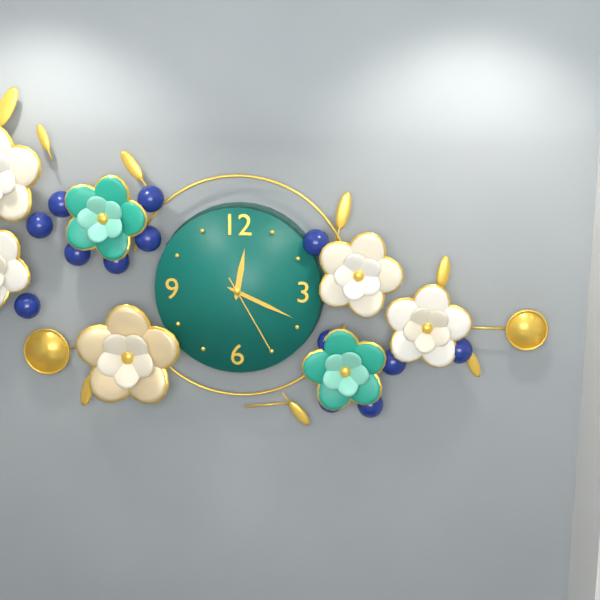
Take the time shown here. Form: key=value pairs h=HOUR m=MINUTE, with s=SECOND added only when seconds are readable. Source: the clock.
h=12 m=19 s=25
